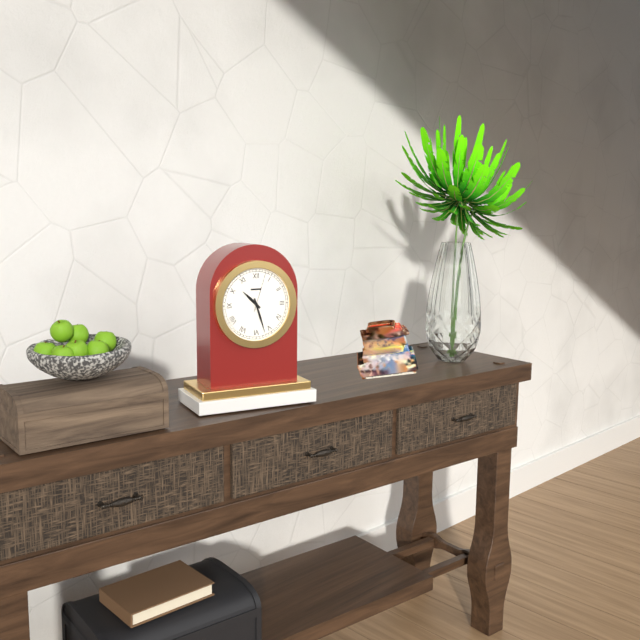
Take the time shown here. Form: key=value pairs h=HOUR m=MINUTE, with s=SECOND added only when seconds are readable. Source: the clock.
h=10 m=27
